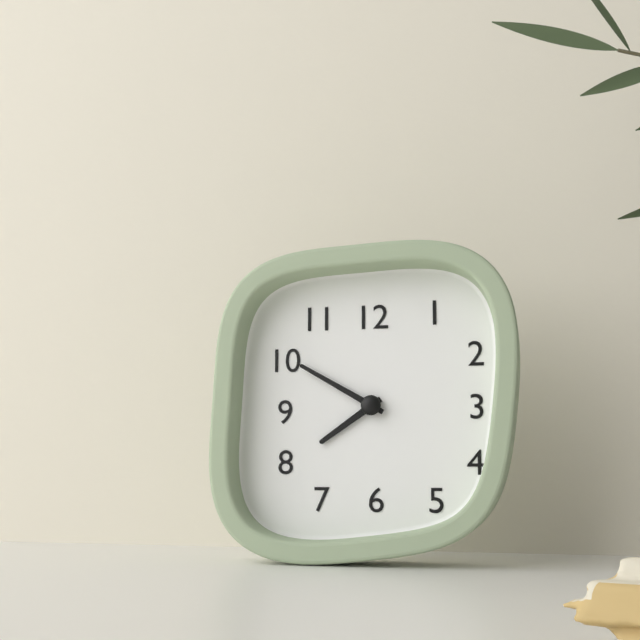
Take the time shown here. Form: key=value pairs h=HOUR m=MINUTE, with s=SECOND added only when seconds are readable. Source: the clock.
h=7 m=50
